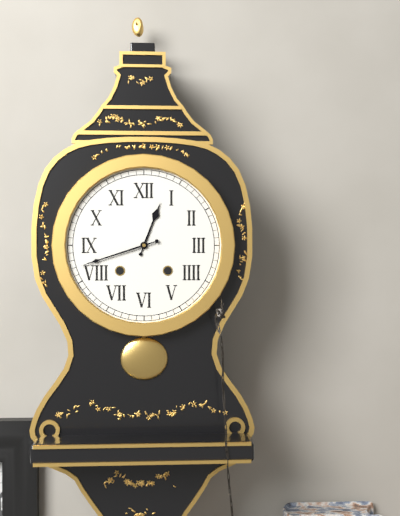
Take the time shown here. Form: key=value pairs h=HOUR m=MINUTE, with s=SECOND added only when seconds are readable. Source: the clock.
h=12 m=42
